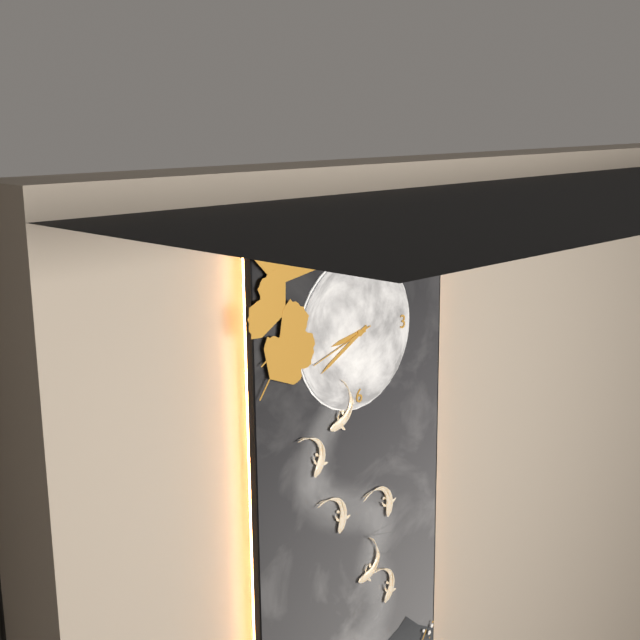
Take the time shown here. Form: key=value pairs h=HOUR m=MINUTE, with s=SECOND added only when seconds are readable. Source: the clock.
h=8 m=40 s=42
